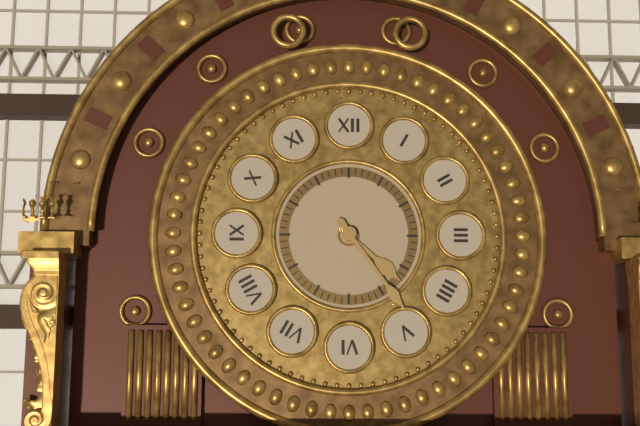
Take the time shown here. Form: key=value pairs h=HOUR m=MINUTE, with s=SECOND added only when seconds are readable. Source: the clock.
h=4 m=24
